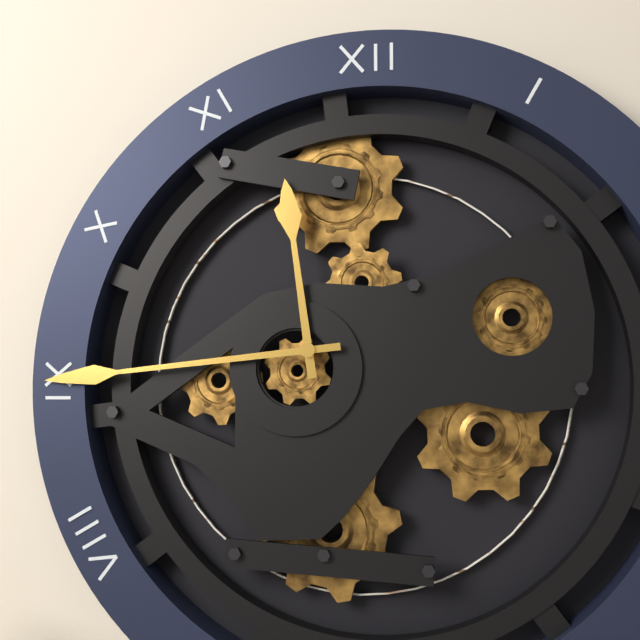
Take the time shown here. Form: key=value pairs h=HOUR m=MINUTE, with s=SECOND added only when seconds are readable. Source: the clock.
h=11 m=44
